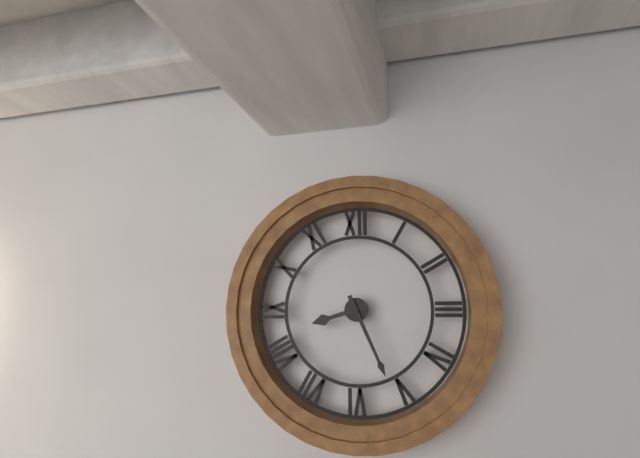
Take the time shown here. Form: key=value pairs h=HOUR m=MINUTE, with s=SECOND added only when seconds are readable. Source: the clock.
h=8 m=26
